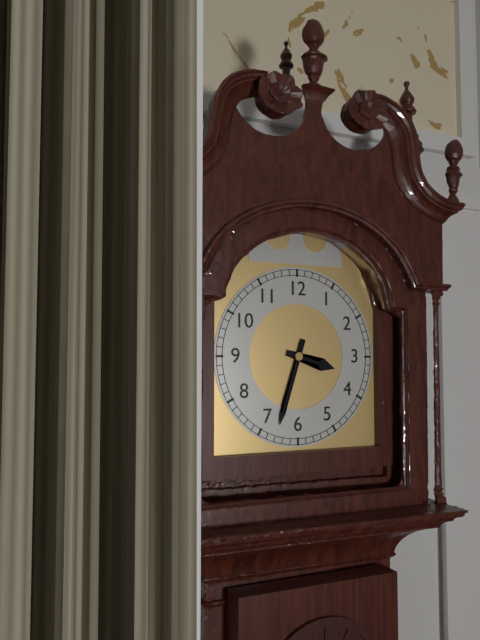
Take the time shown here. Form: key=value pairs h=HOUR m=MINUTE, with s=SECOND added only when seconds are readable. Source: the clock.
h=3 m=33
